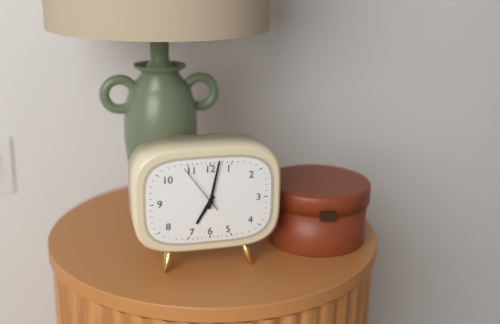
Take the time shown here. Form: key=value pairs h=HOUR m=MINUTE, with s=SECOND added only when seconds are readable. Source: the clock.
h=7 m=2 s=54
